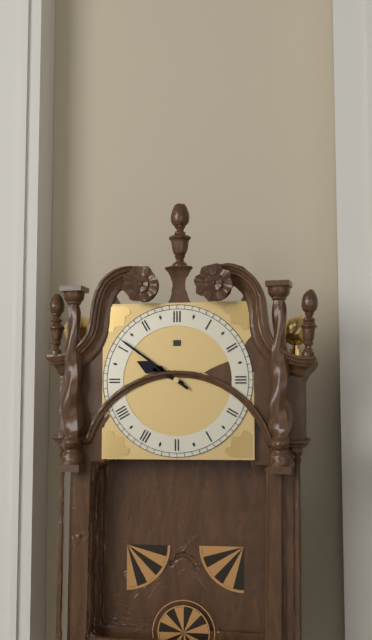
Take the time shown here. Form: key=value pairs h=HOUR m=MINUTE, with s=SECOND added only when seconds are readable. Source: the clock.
h=9 m=51
